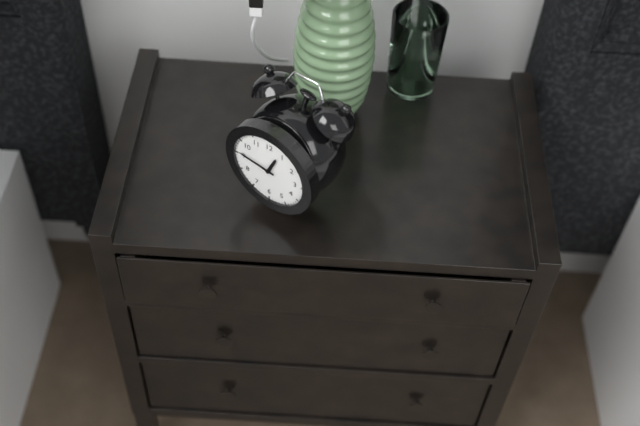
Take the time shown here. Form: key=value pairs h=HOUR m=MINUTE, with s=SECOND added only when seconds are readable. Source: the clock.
h=12 m=46
